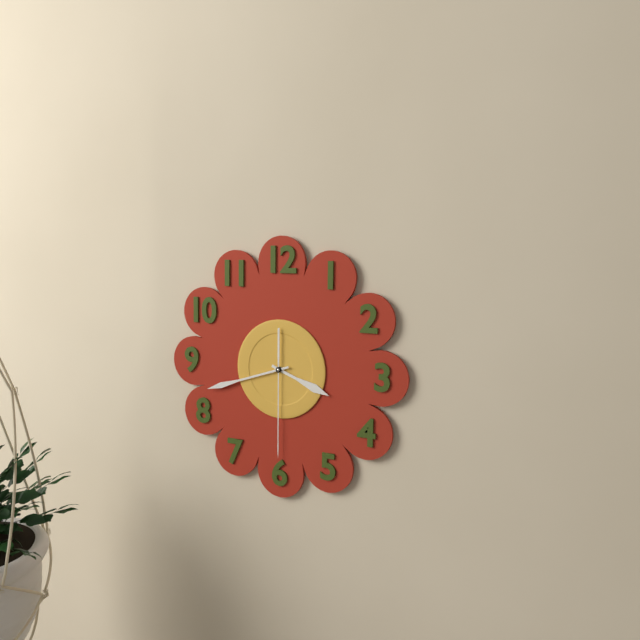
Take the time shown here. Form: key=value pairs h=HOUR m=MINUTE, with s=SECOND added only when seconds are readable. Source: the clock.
h=3 m=42 s=30
